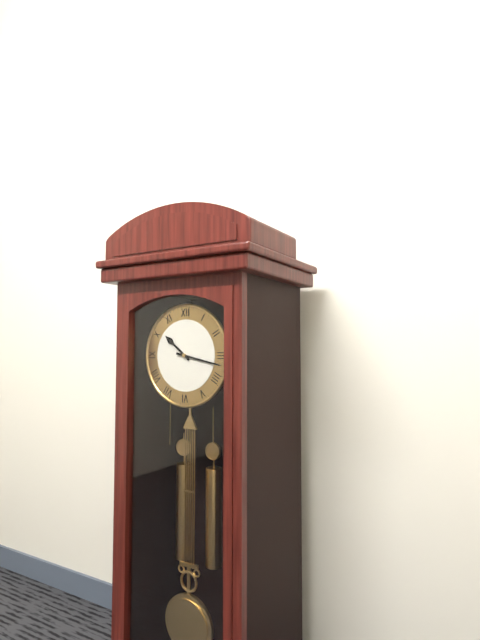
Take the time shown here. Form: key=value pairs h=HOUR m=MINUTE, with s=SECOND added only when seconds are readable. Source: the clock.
h=10 m=17
